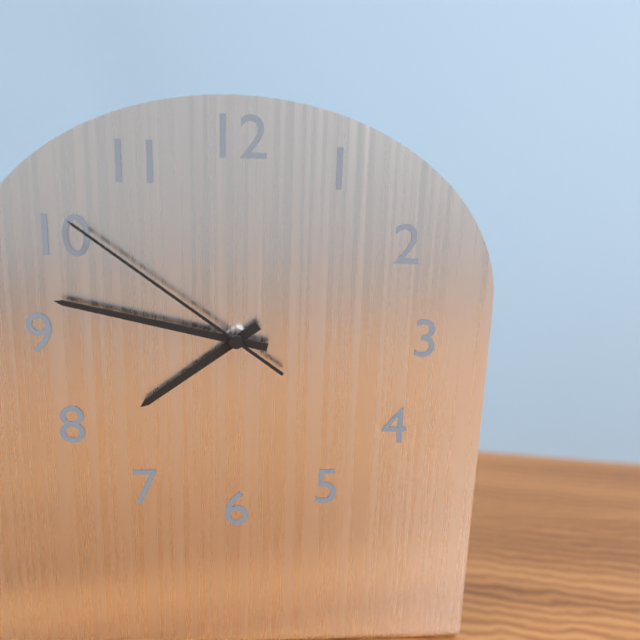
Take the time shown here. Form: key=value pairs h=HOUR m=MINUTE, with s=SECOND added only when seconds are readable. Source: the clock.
h=7 m=47 s=51
